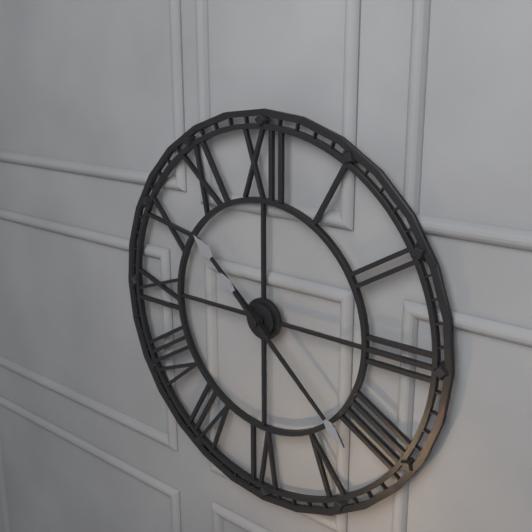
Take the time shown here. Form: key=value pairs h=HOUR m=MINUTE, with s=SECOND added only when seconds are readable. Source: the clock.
h=10 m=22
